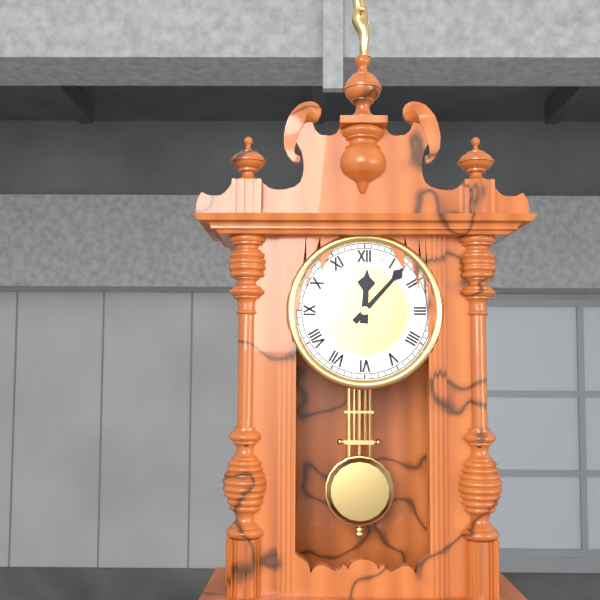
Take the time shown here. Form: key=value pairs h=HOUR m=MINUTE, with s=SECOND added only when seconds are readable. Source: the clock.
h=12 m=7
